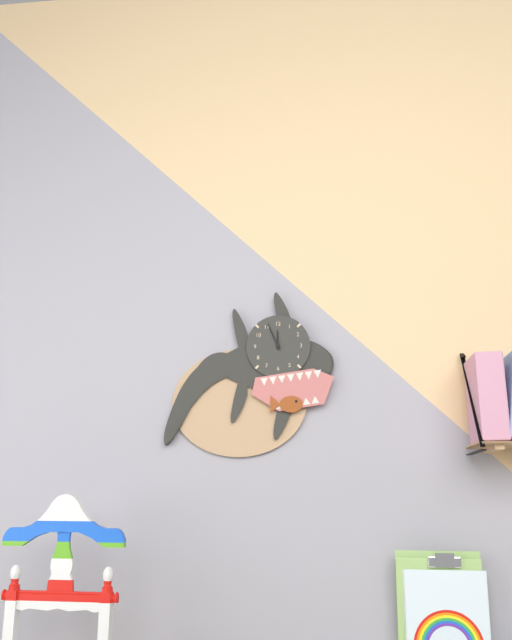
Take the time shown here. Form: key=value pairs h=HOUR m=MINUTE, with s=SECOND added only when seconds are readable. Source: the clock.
h=11 m=56
